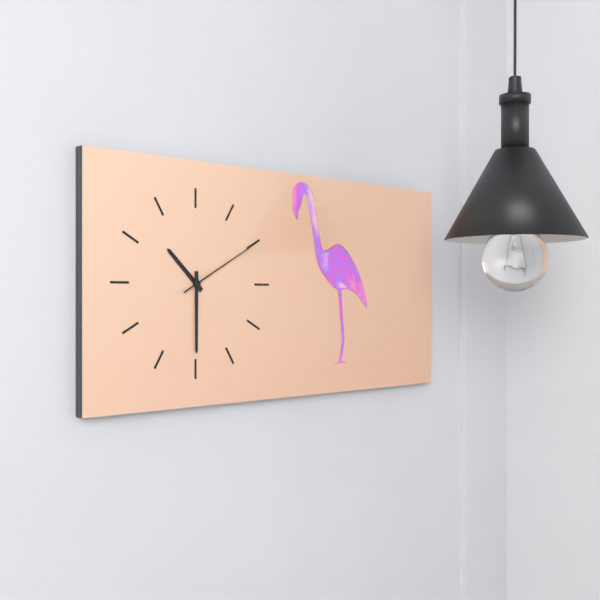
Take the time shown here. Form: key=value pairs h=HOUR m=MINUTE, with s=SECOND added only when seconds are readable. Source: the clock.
h=10 m=30 s=10
